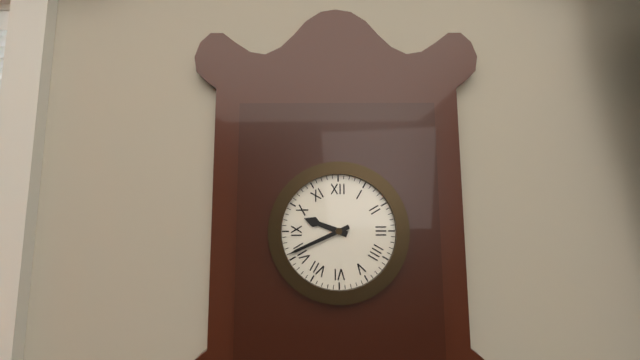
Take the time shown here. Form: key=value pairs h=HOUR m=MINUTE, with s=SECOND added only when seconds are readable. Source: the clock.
h=9 m=41
